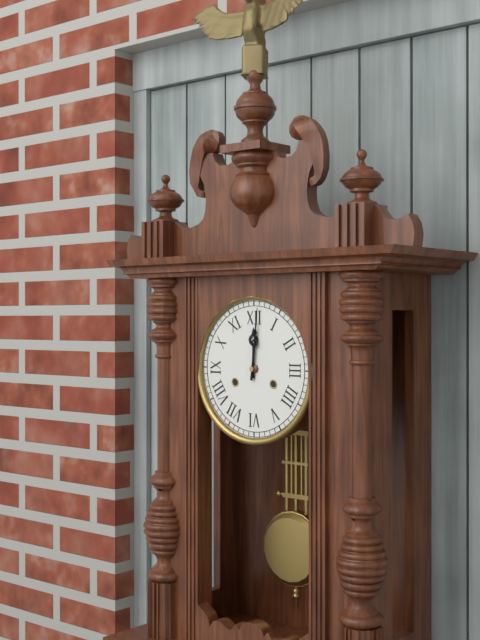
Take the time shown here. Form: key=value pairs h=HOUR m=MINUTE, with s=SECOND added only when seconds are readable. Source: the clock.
h=12 m=1
